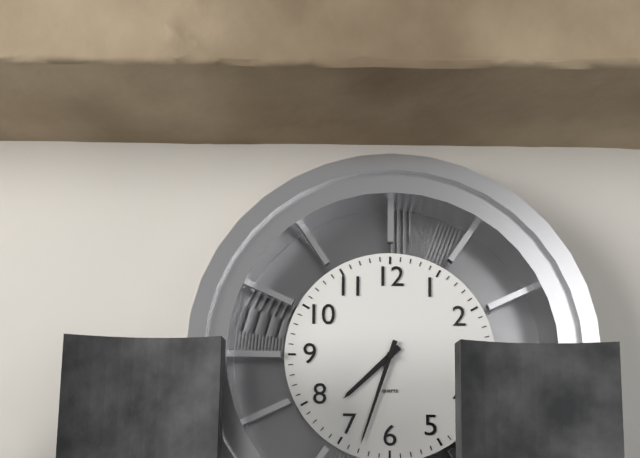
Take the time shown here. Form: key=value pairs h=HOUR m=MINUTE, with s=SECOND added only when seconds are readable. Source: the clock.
h=7 m=33
